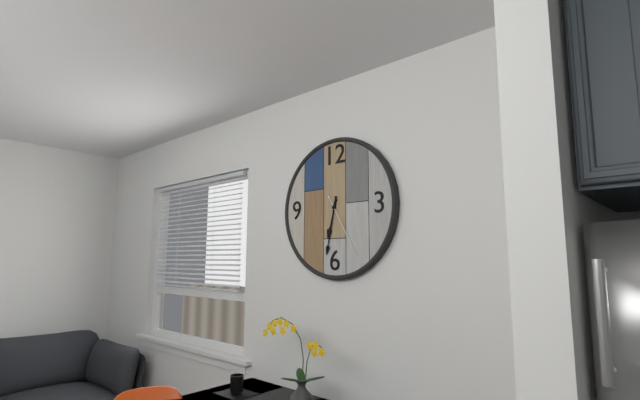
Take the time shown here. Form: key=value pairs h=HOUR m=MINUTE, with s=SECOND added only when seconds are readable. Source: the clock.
h=6 m=32 s=25
